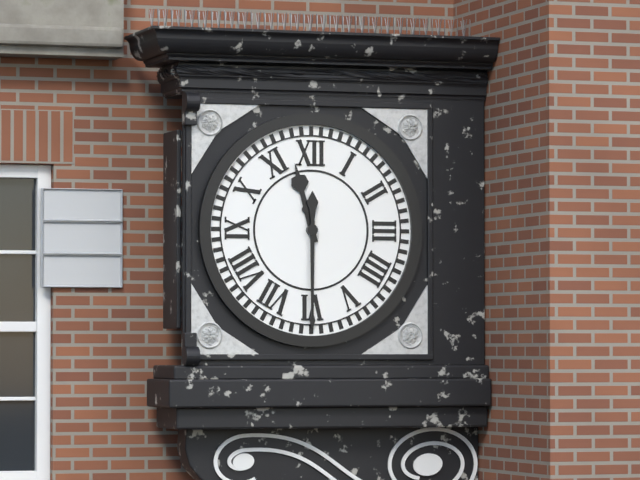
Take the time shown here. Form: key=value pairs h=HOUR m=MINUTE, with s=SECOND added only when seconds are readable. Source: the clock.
h=11 m=30
